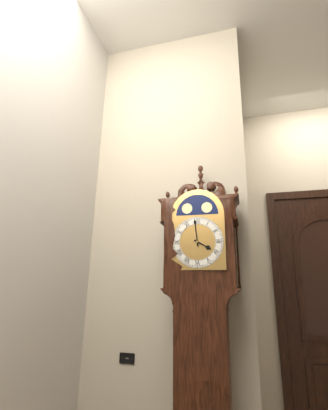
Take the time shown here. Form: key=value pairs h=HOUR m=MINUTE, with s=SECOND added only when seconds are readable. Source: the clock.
h=3 m=59
